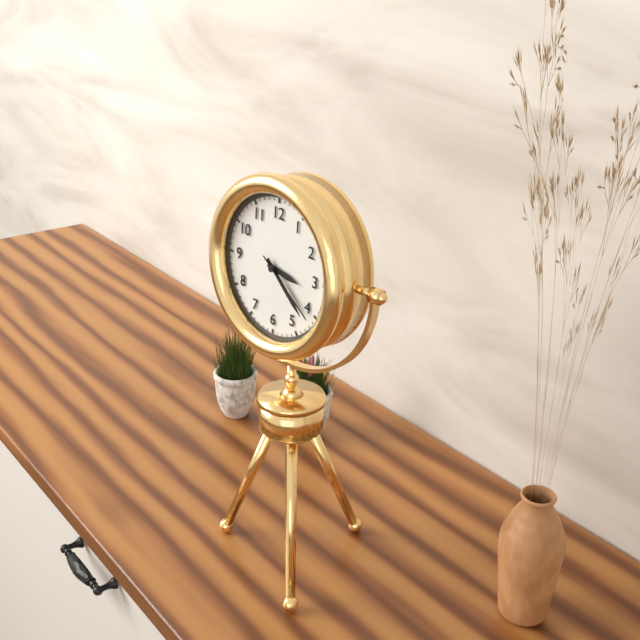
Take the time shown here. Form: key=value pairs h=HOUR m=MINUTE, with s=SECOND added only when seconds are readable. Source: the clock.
h=3 m=22 s=21
